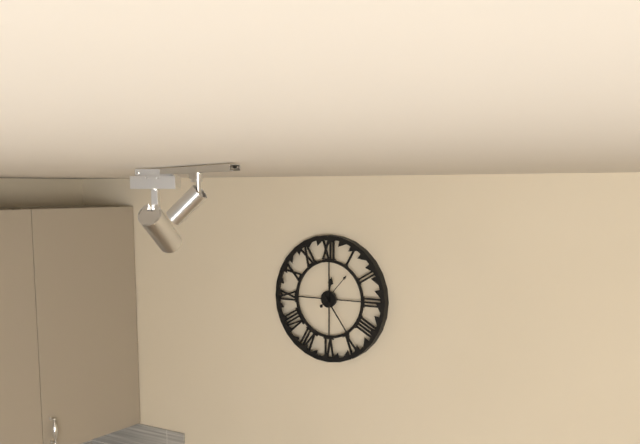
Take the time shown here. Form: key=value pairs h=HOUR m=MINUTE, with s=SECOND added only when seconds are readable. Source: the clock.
h=12 m=24
